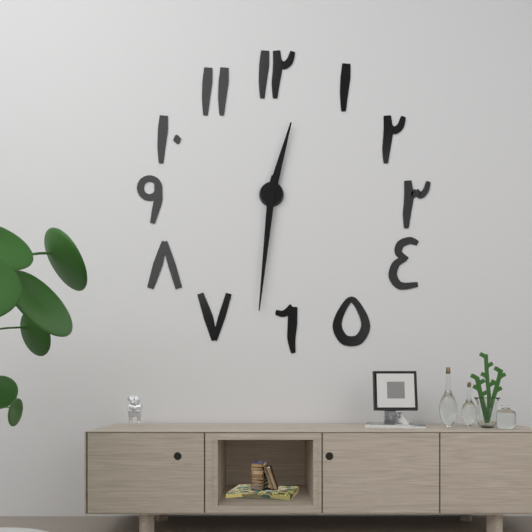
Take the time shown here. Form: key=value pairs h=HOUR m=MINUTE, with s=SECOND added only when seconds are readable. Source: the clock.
h=12 m=31
